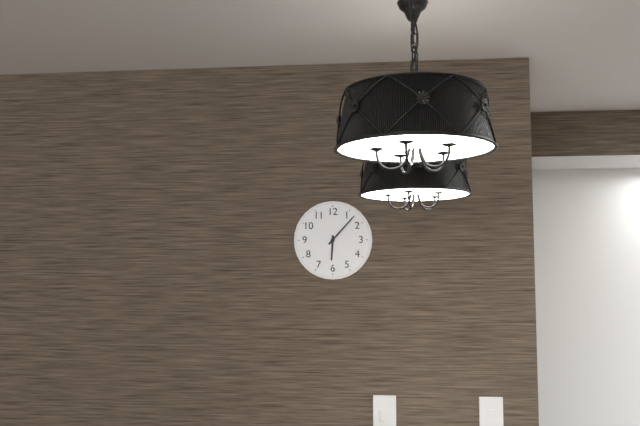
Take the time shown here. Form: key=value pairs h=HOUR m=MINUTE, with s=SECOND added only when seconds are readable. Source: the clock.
h=6 m=7
